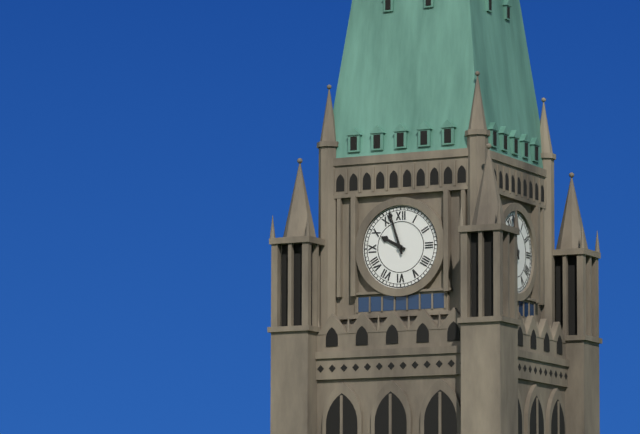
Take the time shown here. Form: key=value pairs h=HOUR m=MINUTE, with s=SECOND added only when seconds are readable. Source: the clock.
h=9 m=57
